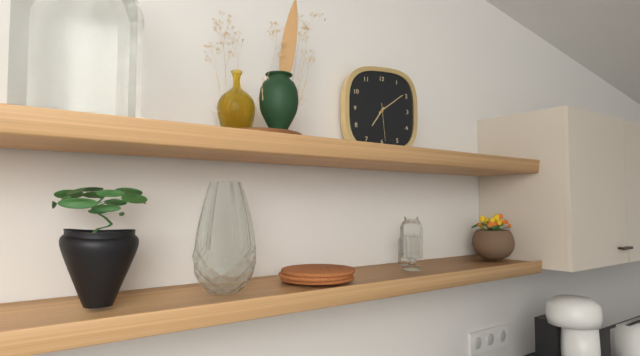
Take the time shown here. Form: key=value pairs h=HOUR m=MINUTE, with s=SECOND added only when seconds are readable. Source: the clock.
h=7 m=9
